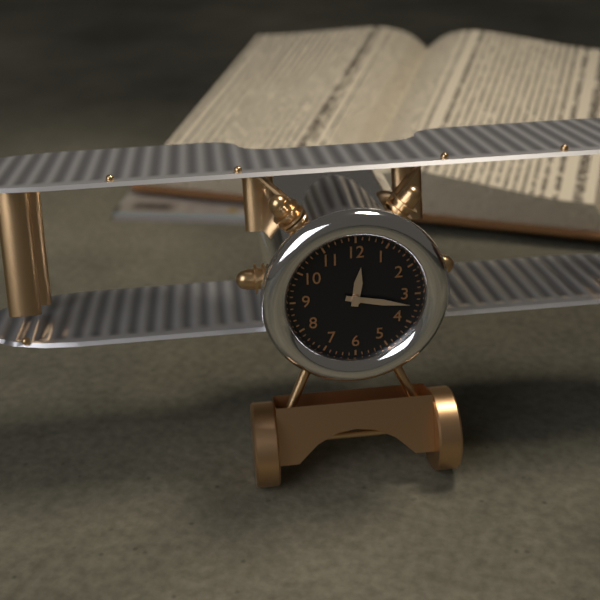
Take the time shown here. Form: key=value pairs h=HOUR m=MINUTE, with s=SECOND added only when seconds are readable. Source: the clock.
h=12 m=17
